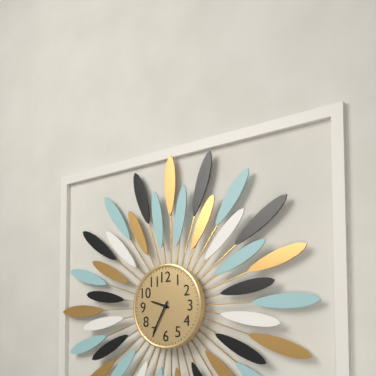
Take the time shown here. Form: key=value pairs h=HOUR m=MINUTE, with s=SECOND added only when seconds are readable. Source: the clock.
h=9 m=35
